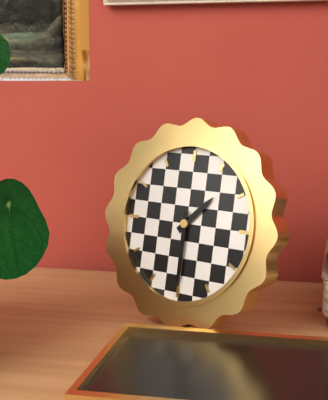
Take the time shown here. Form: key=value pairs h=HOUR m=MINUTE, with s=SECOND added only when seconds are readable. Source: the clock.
h=1 m=30
